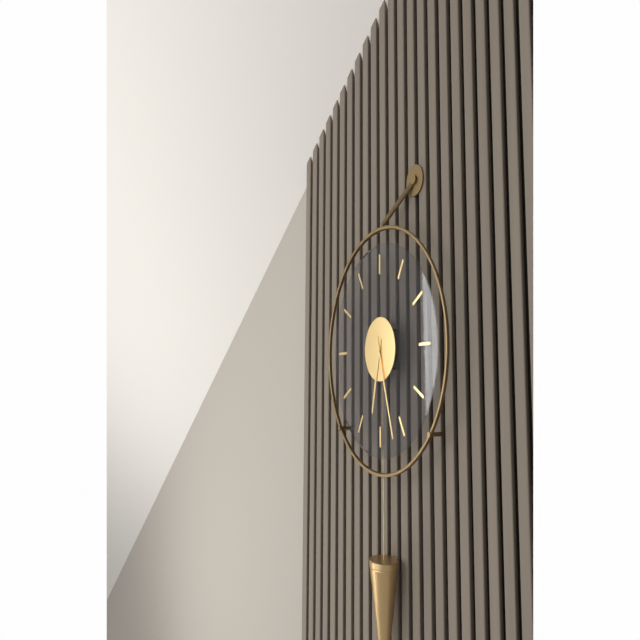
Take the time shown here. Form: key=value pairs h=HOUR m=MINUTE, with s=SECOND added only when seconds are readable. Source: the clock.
h=6 m=27
